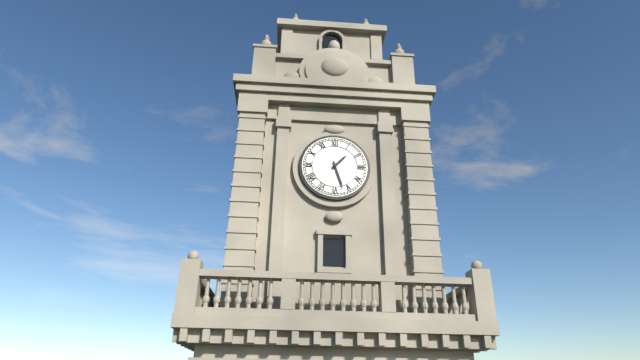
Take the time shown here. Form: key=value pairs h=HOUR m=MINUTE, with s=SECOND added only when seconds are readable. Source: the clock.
h=1 m=27
